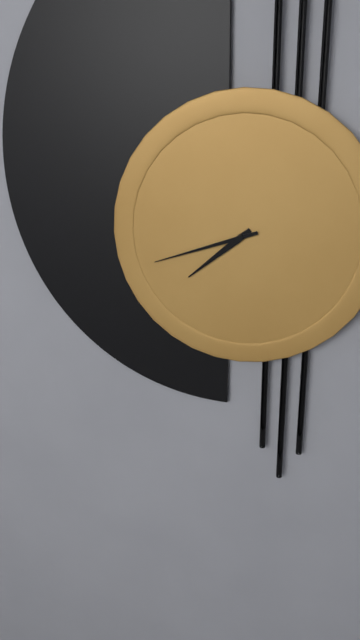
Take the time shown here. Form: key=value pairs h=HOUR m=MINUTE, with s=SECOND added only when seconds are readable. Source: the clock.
h=7 m=42
